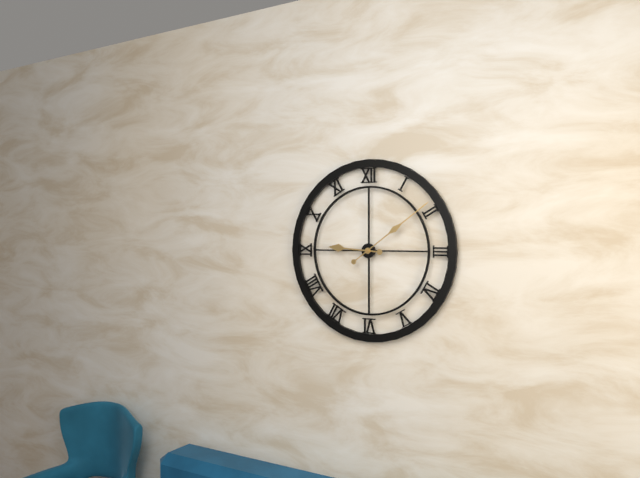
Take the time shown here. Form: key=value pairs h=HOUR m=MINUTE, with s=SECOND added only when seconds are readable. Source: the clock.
h=9 m=9
